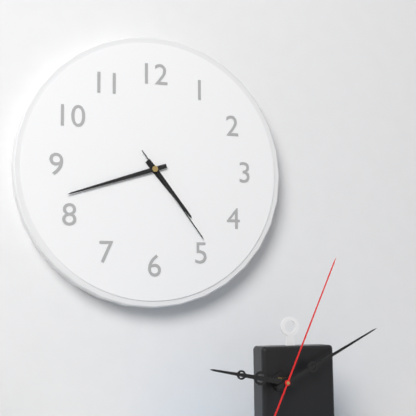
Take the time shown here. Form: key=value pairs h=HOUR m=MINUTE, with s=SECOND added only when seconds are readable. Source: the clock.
h=4 m=42 s=24
